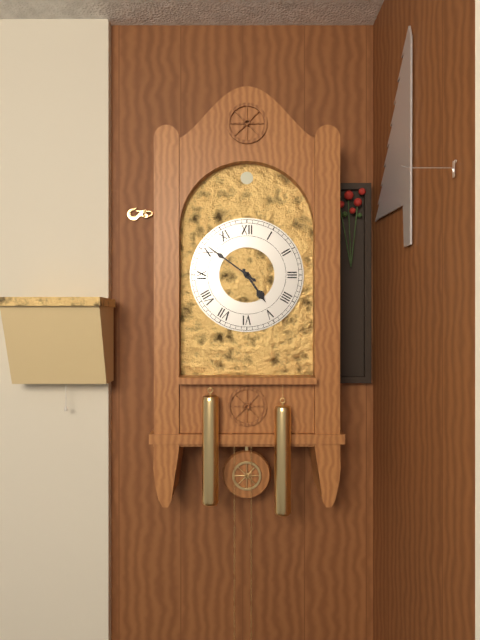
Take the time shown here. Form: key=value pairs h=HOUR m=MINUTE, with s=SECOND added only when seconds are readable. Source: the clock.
h=4 m=51
